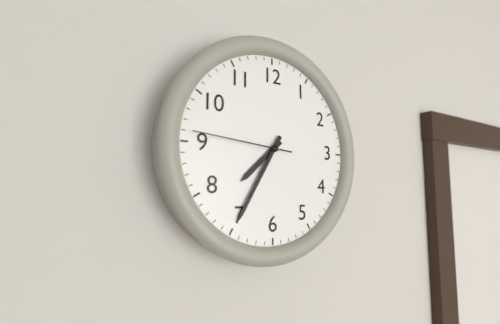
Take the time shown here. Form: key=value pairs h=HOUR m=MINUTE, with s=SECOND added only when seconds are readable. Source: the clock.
h=7 m=35 s=46
